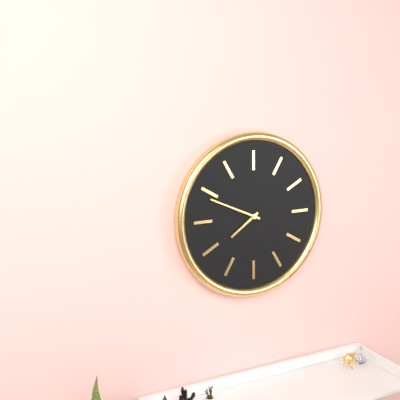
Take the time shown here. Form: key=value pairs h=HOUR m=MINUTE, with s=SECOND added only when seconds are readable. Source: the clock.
h=7 m=49
